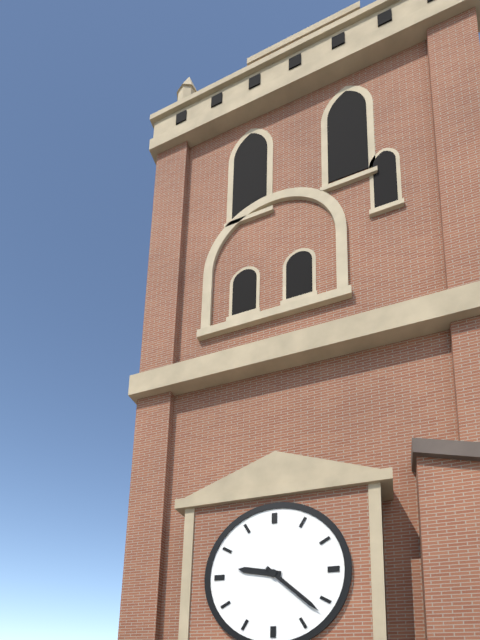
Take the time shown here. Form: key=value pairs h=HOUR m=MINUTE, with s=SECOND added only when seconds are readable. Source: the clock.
h=9 m=22
